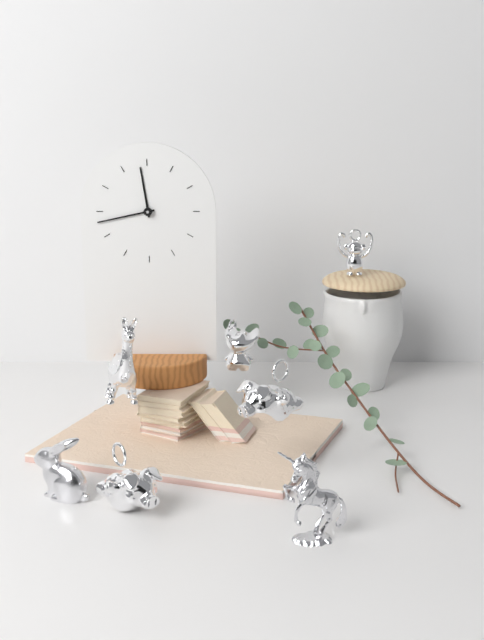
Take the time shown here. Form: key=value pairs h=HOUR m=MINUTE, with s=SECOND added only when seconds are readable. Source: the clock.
h=11 m=43
